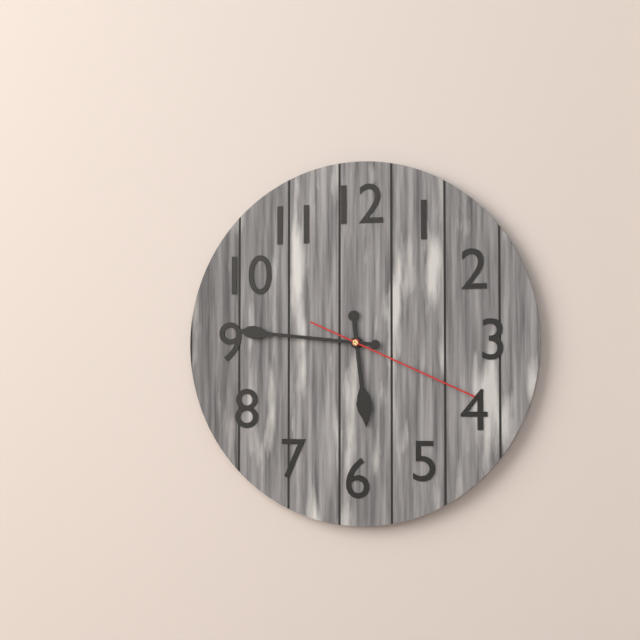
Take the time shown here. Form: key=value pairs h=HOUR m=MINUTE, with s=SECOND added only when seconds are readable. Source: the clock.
h=5 m=46 s=19
